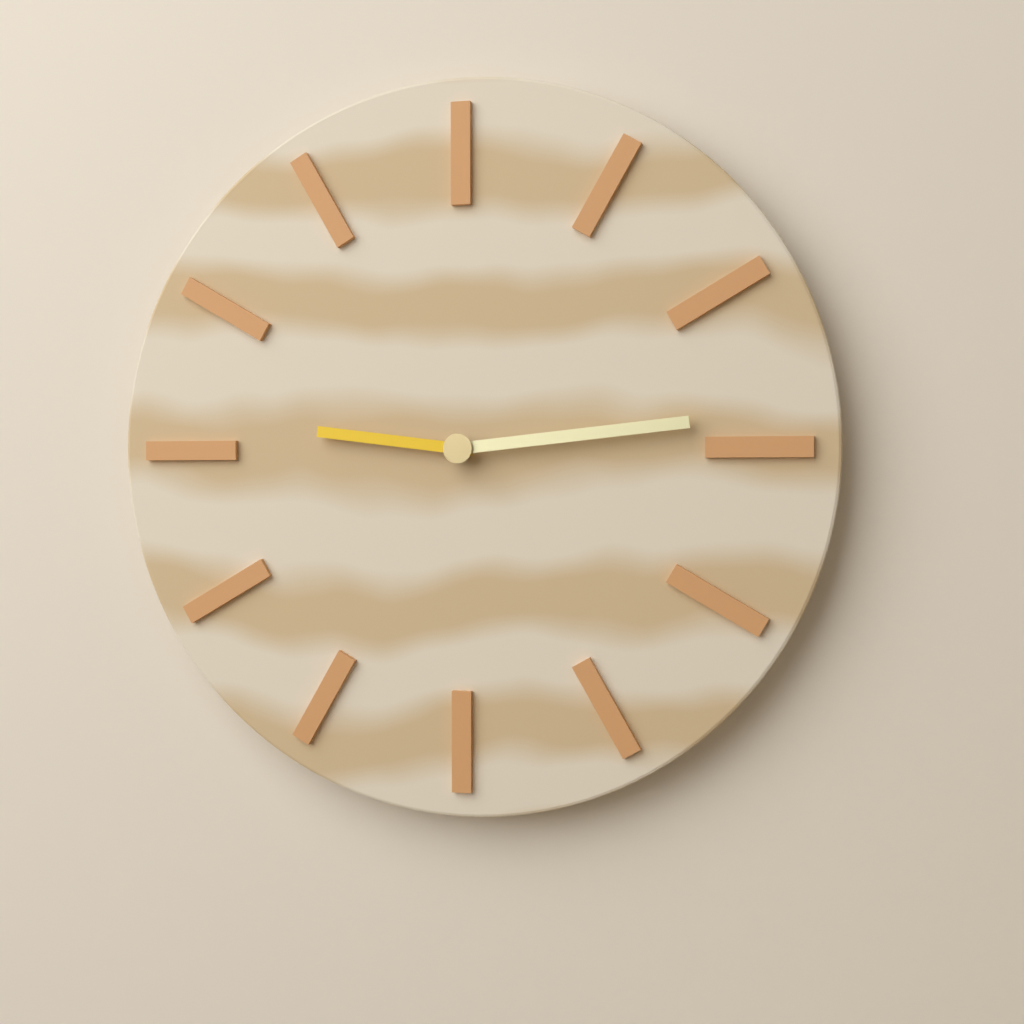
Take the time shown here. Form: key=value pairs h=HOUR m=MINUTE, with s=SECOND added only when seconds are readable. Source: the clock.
h=9 m=14
